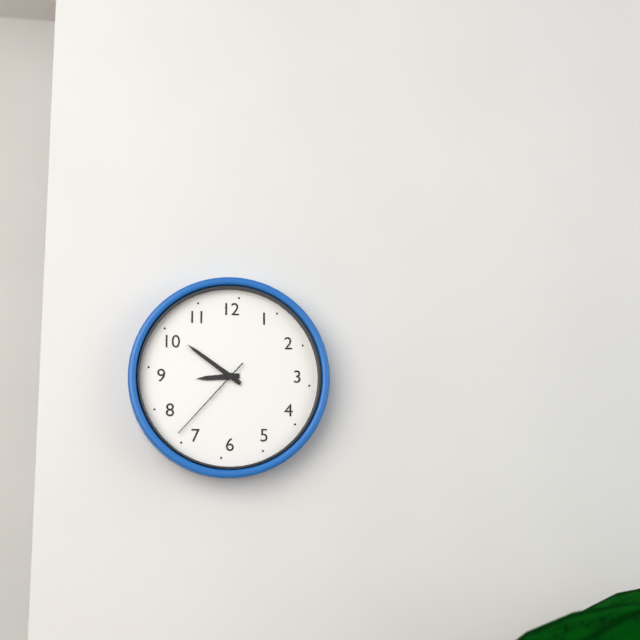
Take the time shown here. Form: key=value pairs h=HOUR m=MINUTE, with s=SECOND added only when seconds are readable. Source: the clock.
h=8 m=51 s=37
